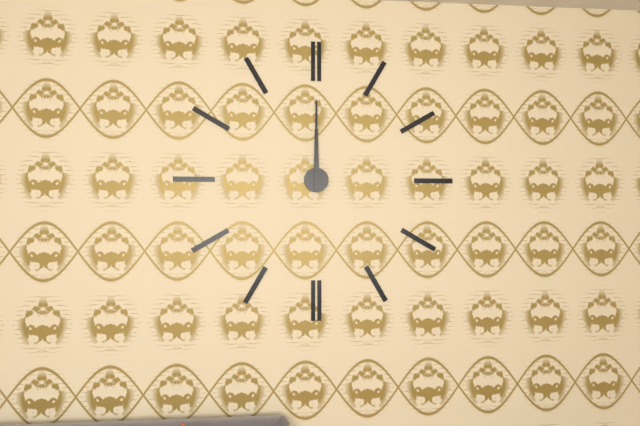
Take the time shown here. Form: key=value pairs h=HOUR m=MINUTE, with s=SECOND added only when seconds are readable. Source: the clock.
h=12 m=0
